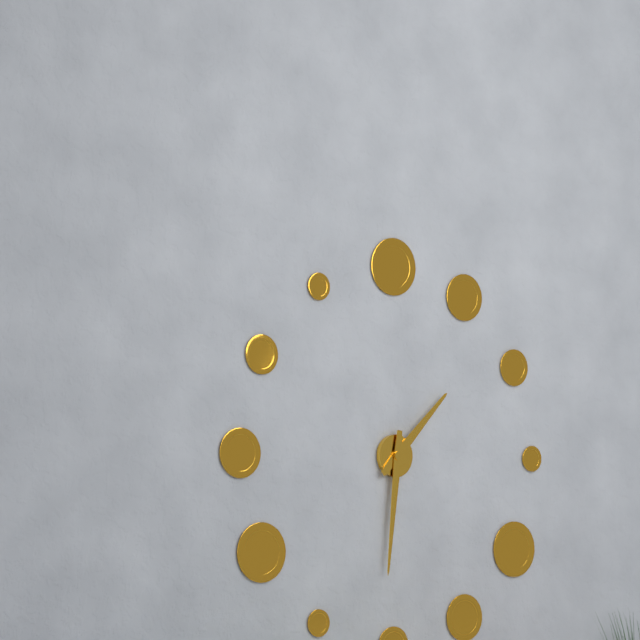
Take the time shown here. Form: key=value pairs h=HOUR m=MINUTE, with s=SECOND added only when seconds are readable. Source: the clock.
h=1 m=31
